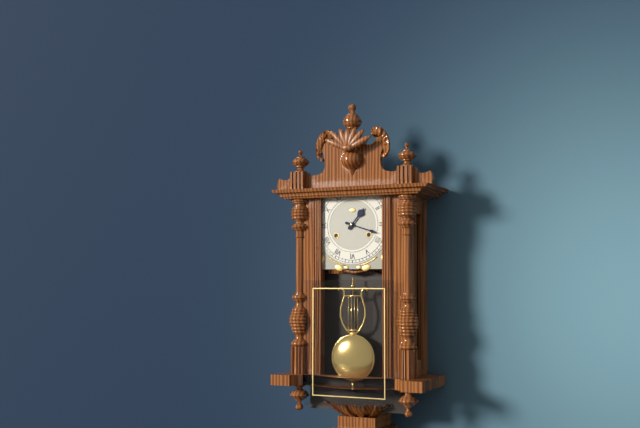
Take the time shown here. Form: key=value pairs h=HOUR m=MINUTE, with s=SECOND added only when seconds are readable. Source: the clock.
h=1 m=18
